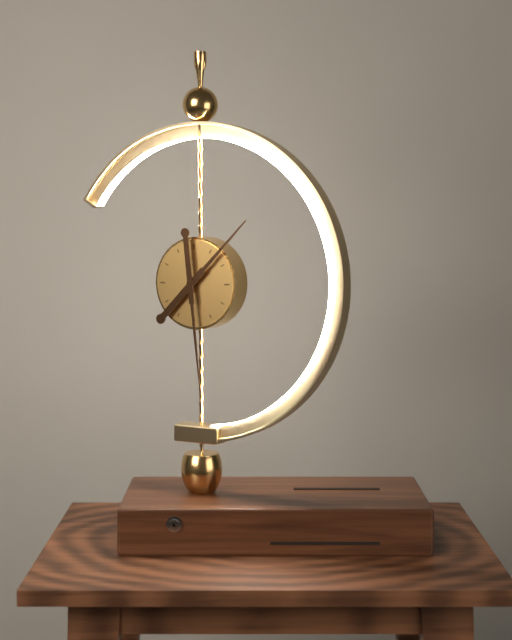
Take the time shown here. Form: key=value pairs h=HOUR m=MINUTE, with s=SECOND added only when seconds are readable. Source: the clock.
h=1 m=29
